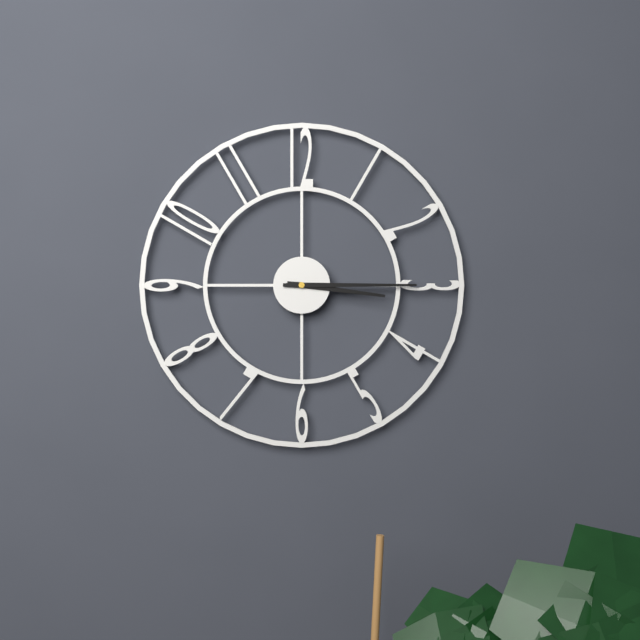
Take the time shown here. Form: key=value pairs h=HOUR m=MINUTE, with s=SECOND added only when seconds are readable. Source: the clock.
h=3 m=15
